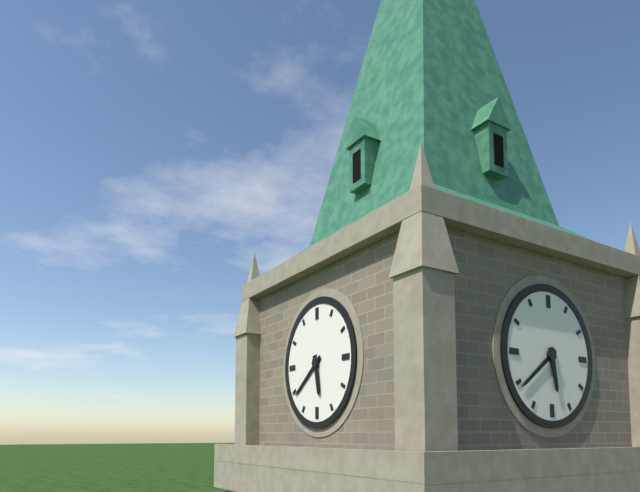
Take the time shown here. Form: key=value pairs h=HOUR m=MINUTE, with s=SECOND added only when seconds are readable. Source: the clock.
h=5 m=39
